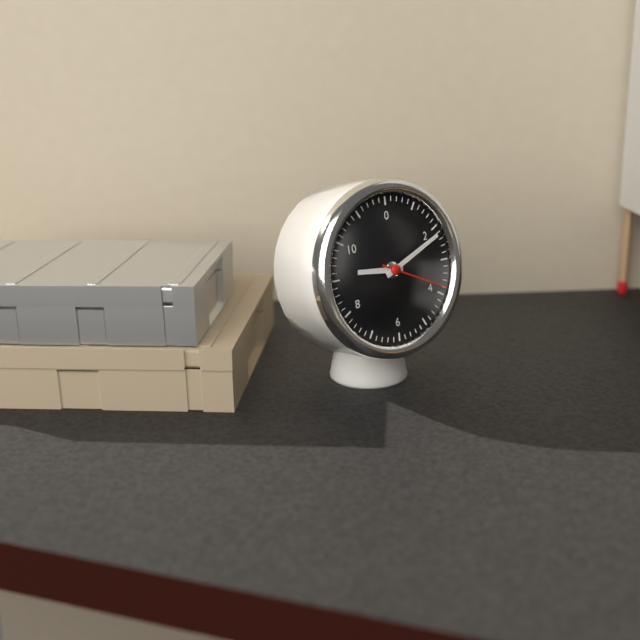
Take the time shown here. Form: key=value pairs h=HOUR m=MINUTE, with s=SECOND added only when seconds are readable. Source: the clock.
h=9 m=11 s=19
